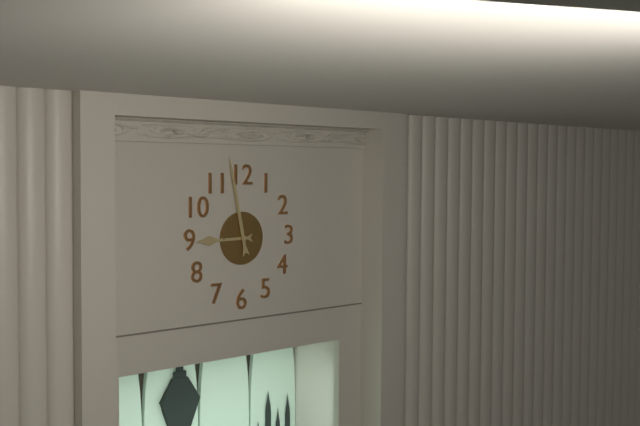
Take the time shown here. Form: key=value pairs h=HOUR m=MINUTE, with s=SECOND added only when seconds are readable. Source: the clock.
h=8 m=58
